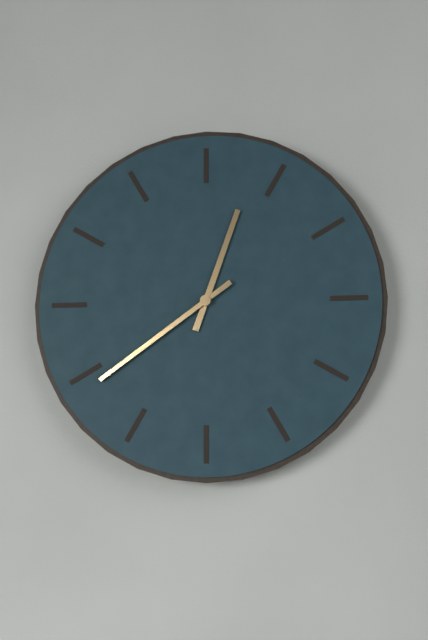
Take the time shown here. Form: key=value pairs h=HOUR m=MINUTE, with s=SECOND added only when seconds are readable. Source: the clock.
h=12 m=39
